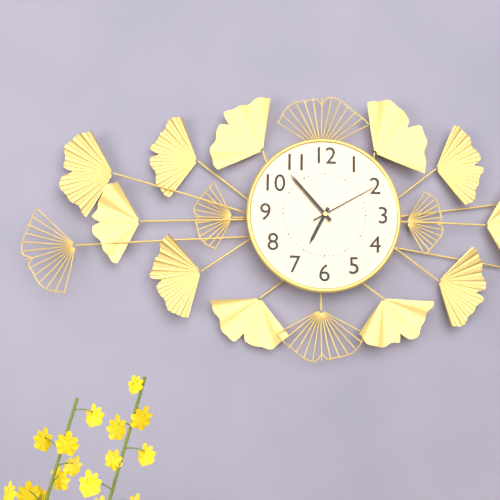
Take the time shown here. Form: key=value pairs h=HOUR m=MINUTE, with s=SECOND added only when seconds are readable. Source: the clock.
h=6 m=53 s=10
